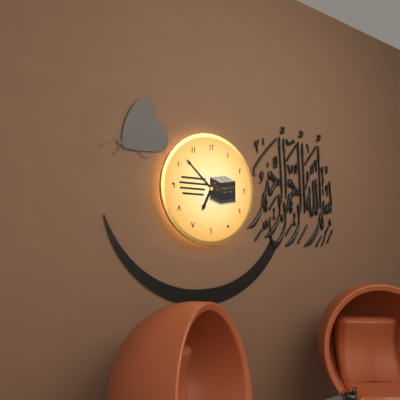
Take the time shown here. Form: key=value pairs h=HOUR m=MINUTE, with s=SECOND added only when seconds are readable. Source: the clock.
h=6 m=52
